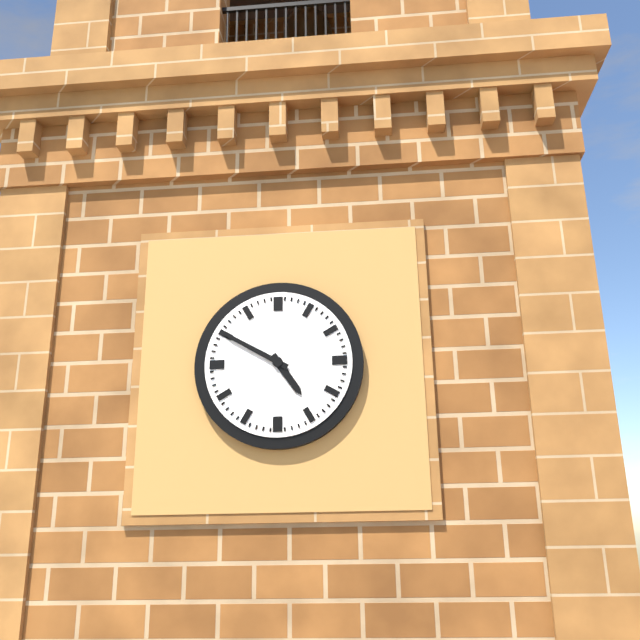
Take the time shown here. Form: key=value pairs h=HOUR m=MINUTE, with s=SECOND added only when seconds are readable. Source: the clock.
h=4 m=50
